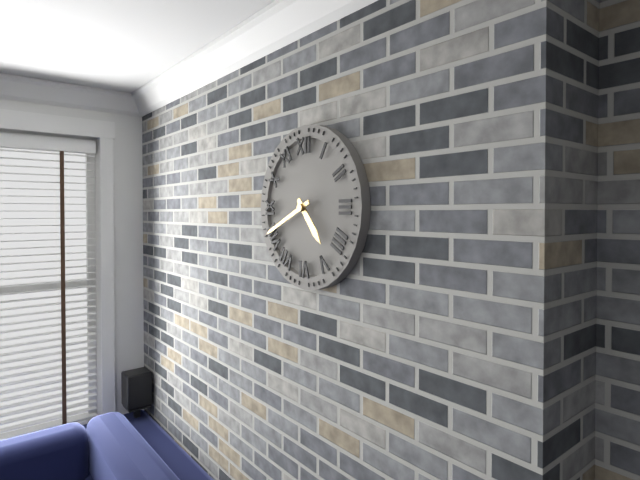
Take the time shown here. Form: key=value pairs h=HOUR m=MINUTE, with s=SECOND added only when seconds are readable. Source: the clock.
h=4 m=41
